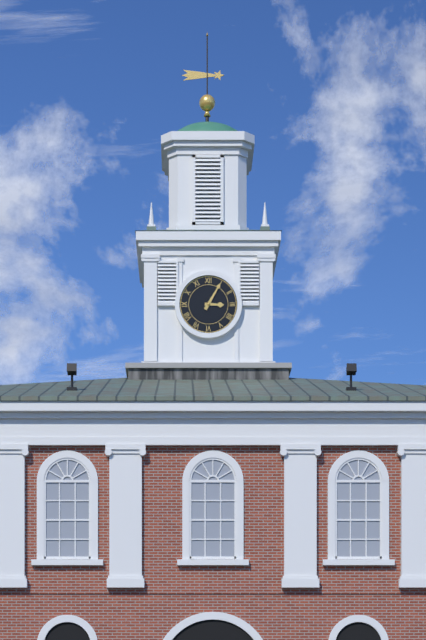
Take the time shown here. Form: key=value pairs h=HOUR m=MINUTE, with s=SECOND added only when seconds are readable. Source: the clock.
h=3 m=5
